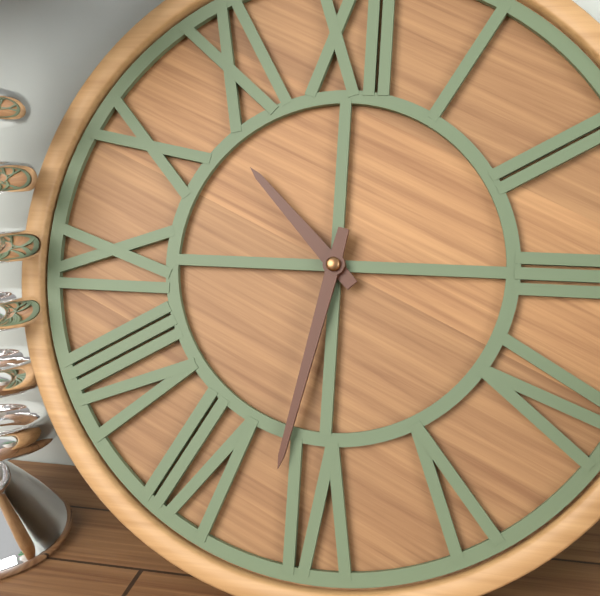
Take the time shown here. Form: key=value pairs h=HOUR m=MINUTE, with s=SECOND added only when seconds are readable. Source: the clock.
h=10 m=32
